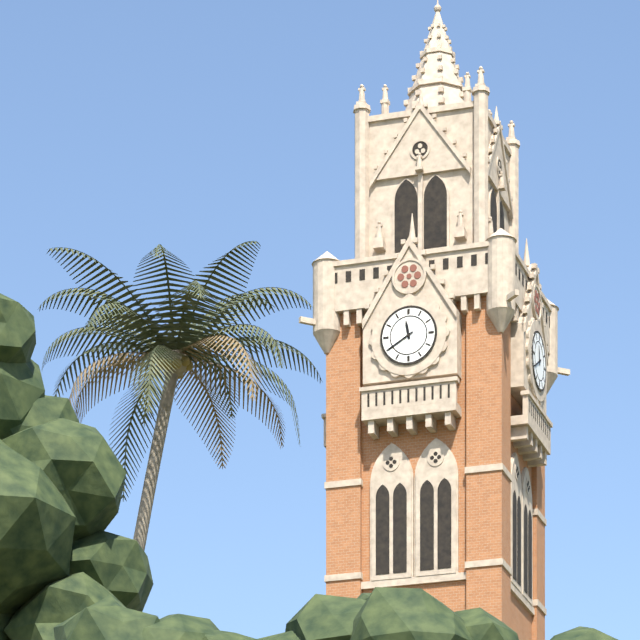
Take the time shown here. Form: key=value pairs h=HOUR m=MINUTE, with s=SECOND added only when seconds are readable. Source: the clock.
h=11 m=40
